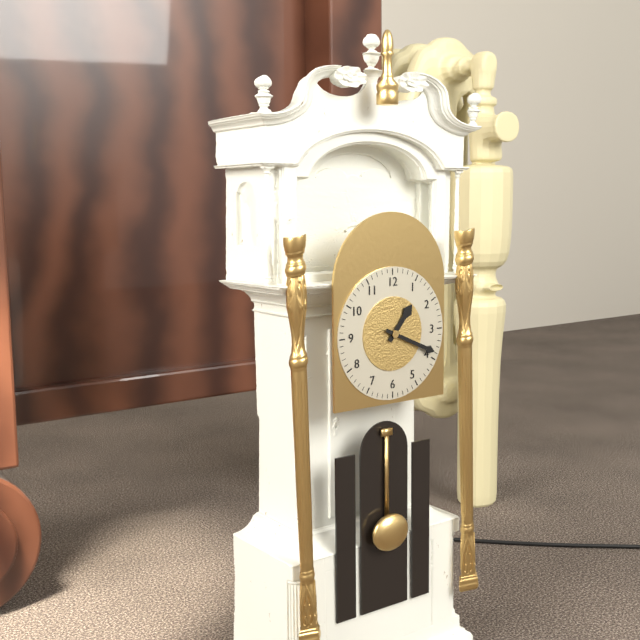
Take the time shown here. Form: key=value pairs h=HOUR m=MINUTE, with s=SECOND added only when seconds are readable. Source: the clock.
h=1 m=19
